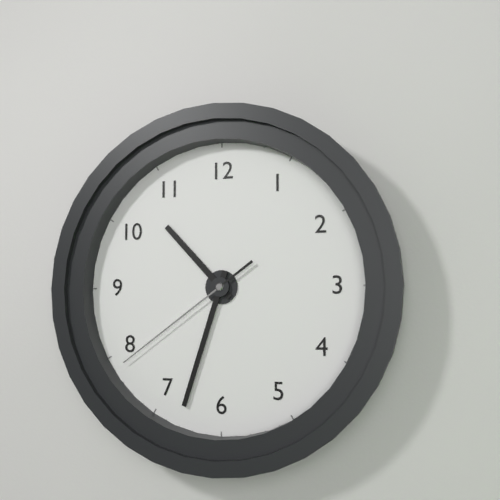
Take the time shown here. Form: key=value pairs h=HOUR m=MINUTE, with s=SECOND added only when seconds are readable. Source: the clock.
h=10 m=33 s=39
